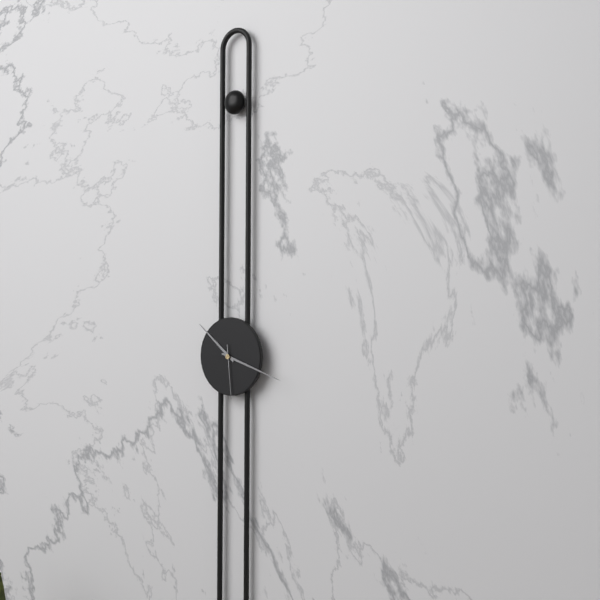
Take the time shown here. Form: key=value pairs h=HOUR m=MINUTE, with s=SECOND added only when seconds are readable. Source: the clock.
h=10 m=18 s=29
